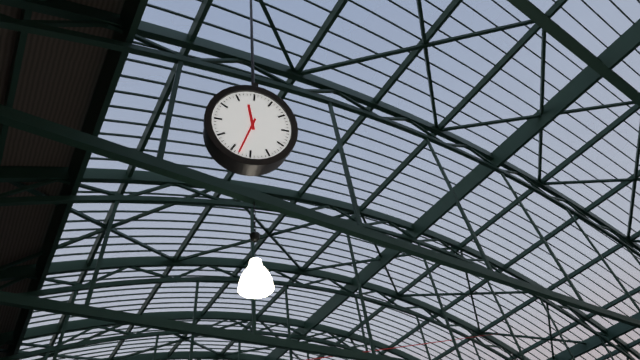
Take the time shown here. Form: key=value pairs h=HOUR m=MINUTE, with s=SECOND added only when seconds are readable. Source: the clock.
h=11 m=33
